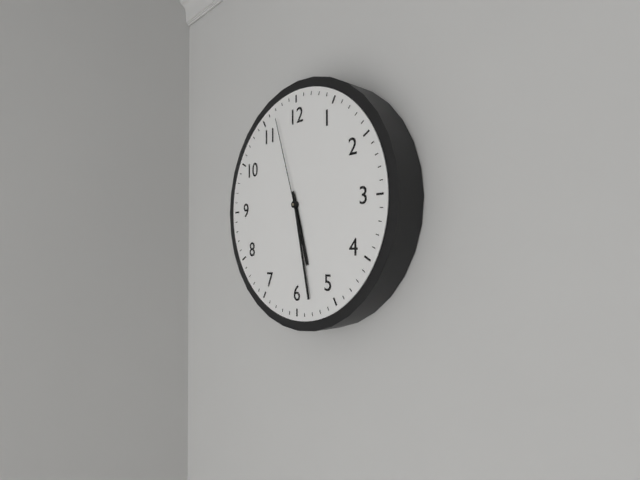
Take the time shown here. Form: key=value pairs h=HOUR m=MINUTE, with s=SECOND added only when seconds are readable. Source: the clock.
h=5 m=28 s=57
